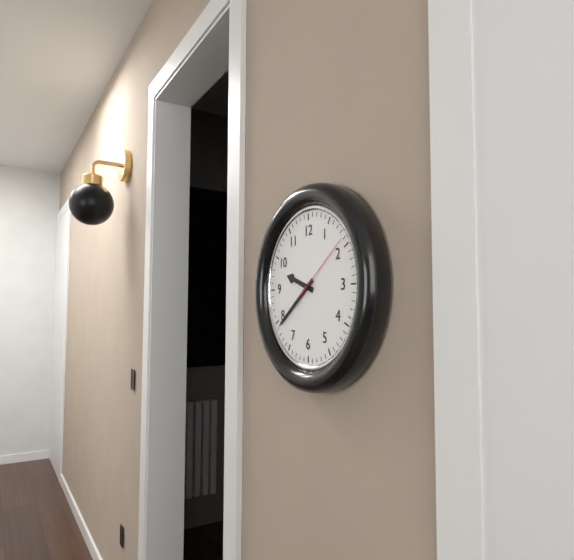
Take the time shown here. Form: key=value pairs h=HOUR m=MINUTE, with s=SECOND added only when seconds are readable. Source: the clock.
h=9 m=39 s=9
